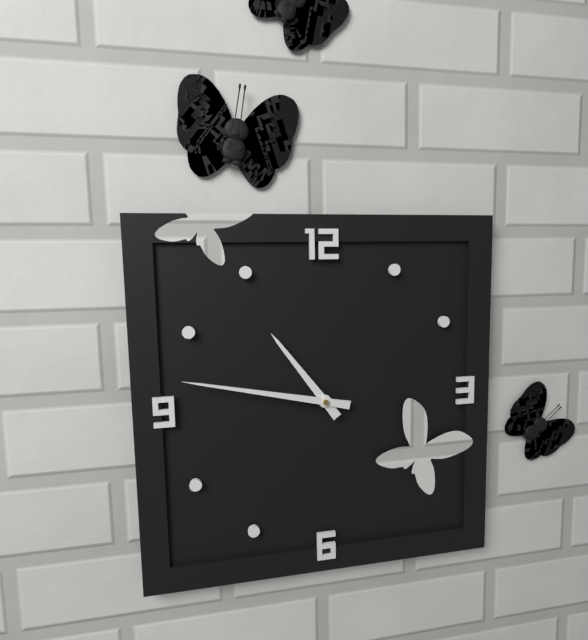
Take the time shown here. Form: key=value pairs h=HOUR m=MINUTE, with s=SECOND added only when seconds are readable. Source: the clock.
h=10 m=47
